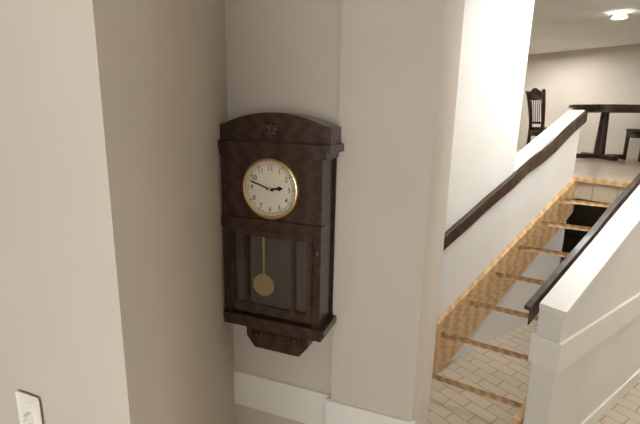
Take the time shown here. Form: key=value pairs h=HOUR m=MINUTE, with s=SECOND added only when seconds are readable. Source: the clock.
h=2 m=48
